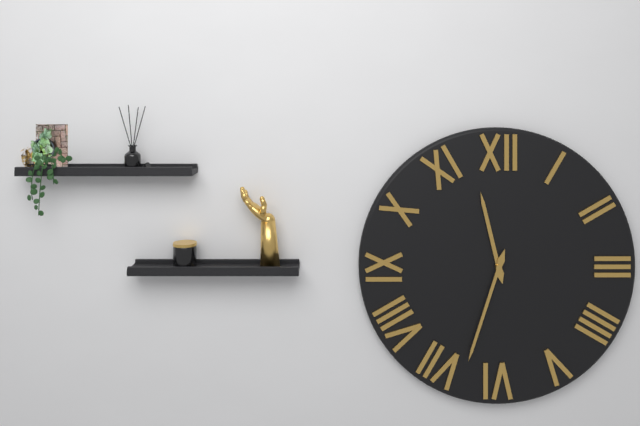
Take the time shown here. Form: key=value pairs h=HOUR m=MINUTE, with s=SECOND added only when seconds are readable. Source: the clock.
h=11 m=33
